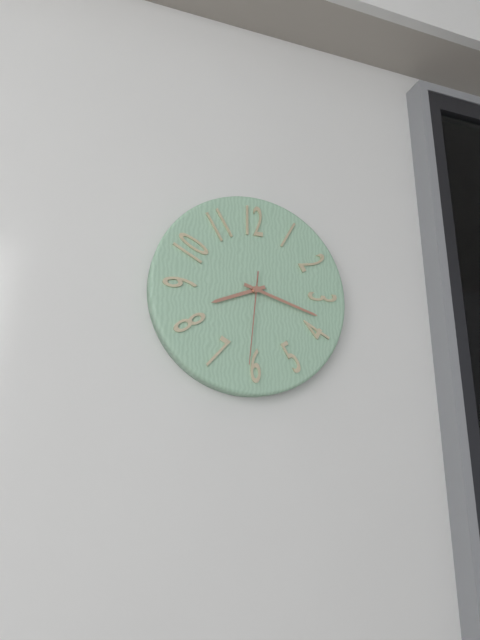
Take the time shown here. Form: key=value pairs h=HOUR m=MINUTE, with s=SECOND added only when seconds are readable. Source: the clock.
h=8 m=18 s=31
